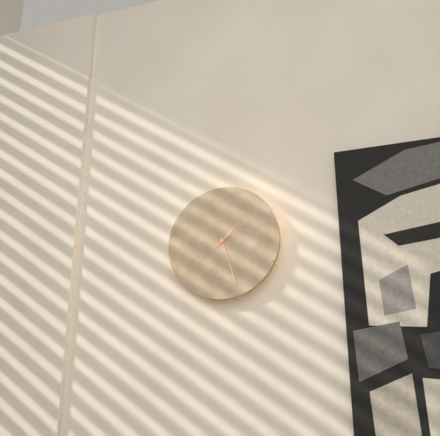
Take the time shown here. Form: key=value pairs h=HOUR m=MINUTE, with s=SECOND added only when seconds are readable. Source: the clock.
h=1 m=27 s=39
